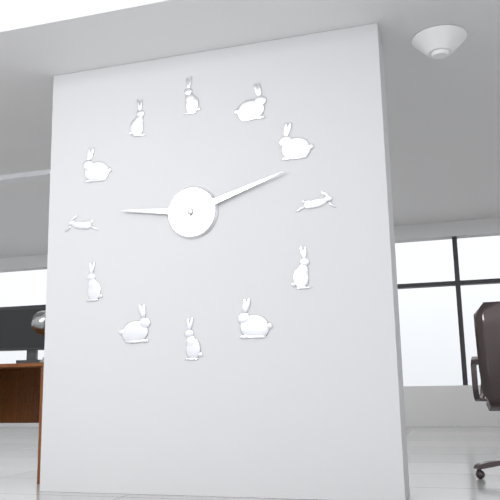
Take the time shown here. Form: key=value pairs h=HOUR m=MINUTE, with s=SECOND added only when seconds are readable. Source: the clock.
h=9 m=12
